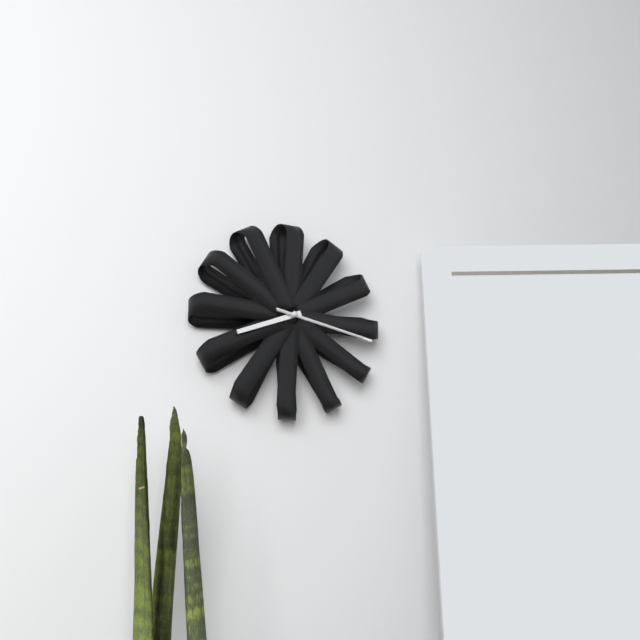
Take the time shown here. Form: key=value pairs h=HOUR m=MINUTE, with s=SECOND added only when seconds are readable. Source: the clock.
h=8 m=17 s=17
